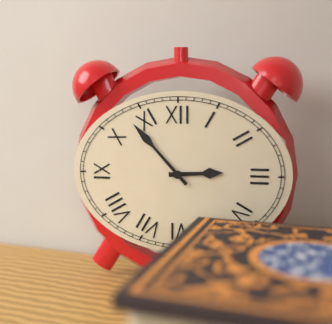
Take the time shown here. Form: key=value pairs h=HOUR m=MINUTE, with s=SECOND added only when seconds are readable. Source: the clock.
h=2 m=53
